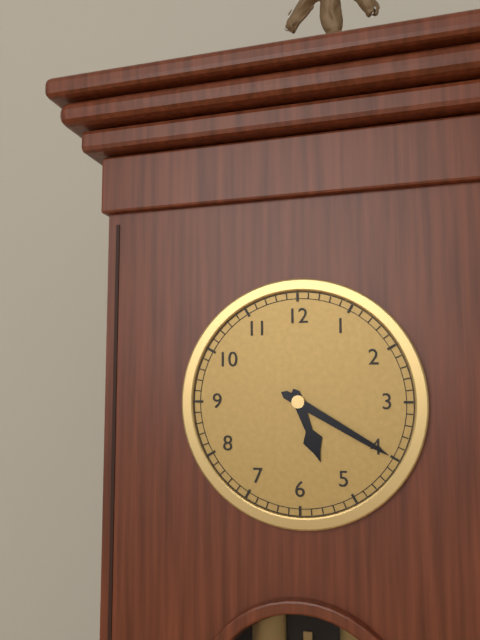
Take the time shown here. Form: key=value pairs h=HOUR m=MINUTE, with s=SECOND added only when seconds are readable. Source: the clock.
h=5 m=20
